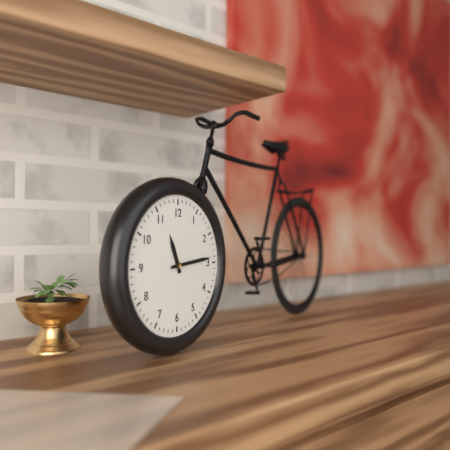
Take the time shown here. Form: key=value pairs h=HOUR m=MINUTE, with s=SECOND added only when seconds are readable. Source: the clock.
h=11 m=14
